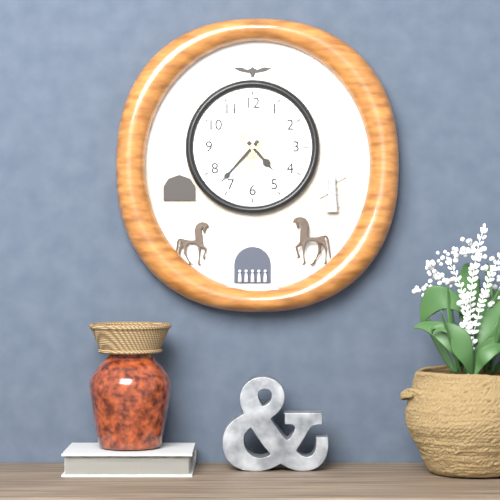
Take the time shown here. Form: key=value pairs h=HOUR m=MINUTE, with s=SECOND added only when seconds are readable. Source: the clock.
h=4 m=37
